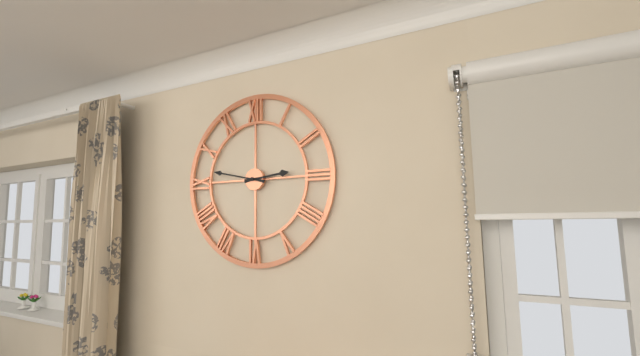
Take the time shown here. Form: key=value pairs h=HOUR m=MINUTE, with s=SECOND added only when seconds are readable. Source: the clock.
h=2 m=47
